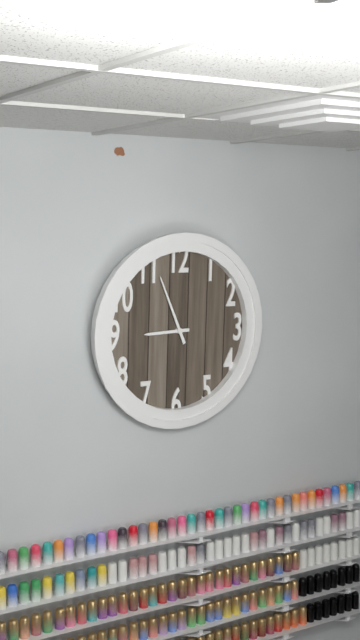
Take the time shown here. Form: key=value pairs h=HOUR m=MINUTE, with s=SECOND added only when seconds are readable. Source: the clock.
h=8 m=56
